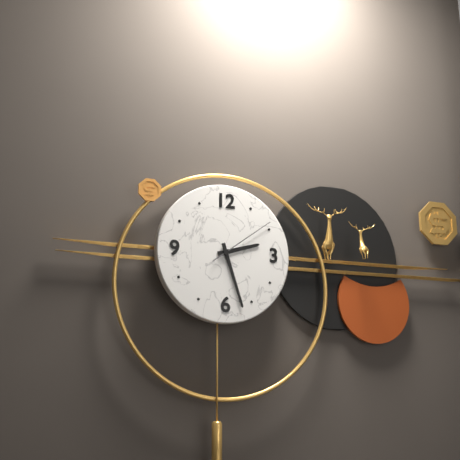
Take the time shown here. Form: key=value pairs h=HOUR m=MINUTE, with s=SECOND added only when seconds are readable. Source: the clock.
h=2 m=27 s=9
